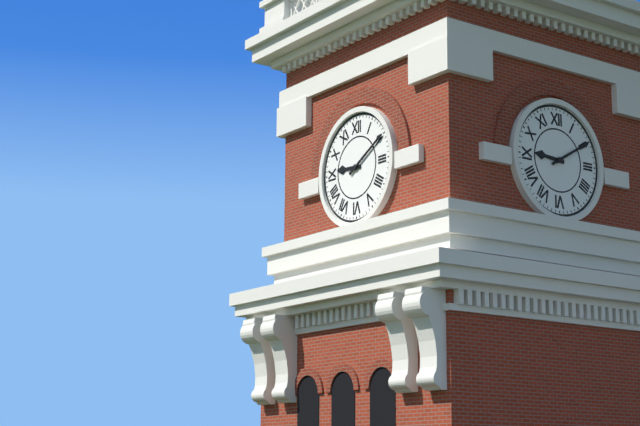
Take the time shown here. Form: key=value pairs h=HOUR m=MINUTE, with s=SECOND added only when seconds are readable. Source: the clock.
h=9 m=10
